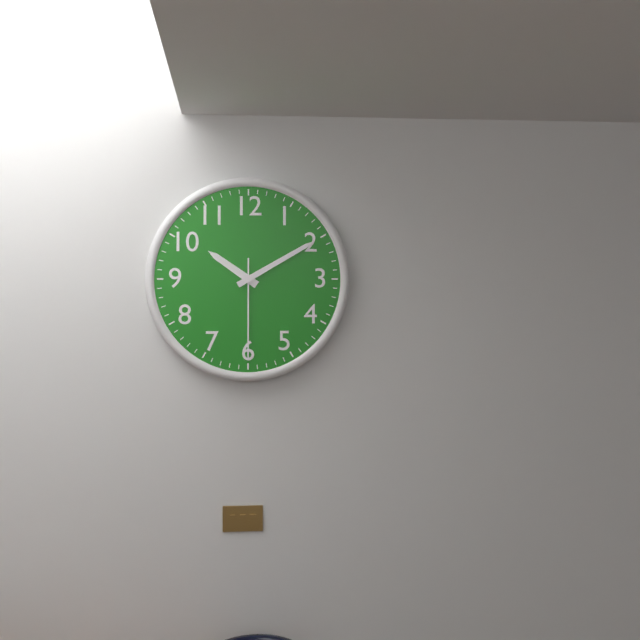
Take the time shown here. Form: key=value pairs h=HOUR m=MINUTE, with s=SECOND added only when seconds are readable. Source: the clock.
h=10 m=10 s=30
